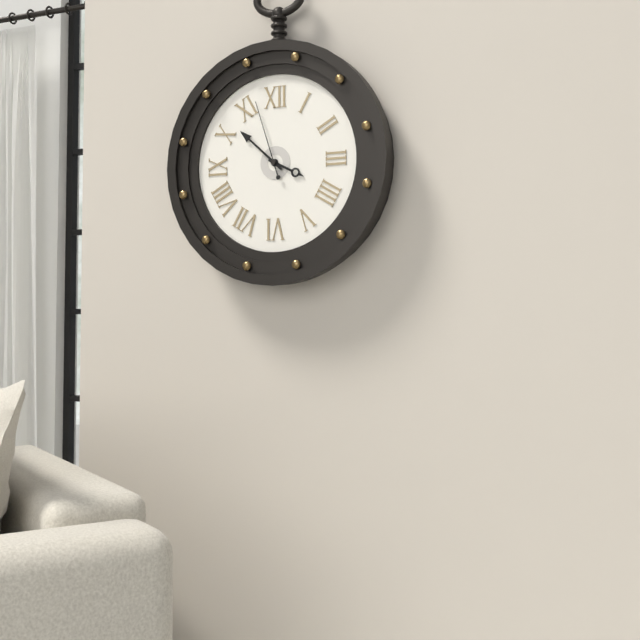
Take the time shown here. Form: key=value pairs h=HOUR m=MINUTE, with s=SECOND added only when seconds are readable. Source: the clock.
h=3 m=52 s=57
